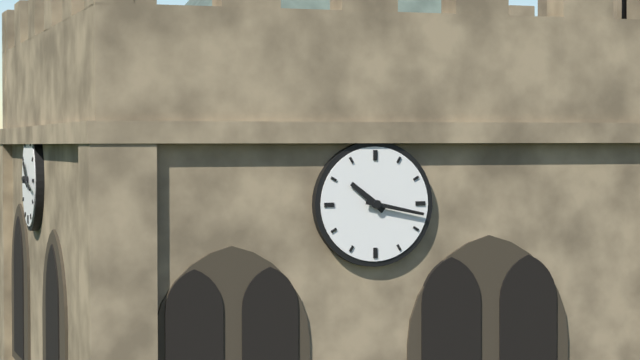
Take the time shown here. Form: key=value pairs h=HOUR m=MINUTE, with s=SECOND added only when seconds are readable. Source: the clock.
h=10 m=17
